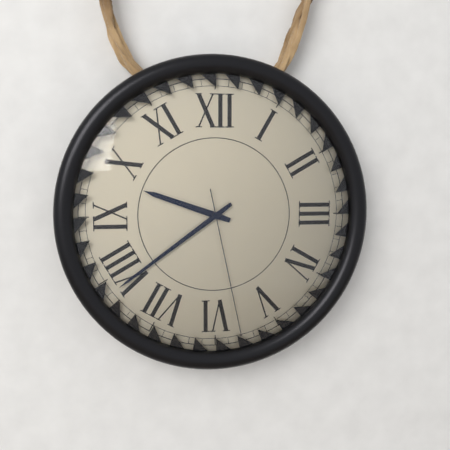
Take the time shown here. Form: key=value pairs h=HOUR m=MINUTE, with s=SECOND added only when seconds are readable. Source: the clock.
h=9 m=39 s=28
